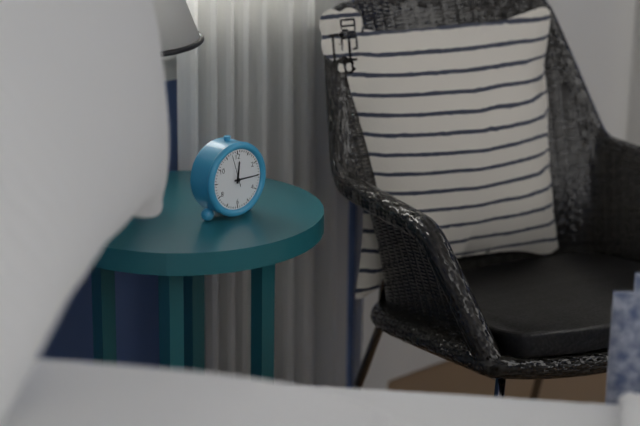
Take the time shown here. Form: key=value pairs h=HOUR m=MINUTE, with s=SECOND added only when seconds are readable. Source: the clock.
h=12 m=15
